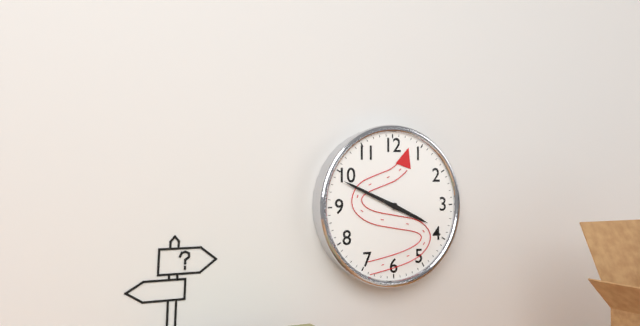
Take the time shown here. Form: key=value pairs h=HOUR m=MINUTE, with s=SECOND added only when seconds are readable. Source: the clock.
h=3 m=49
